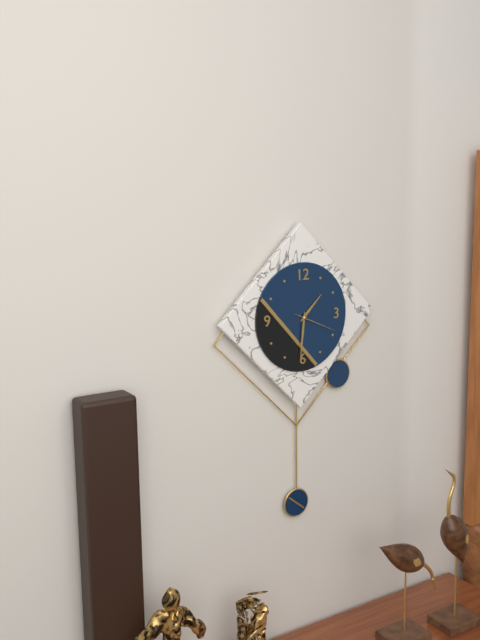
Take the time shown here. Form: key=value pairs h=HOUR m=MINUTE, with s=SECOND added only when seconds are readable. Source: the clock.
h=1 m=31
